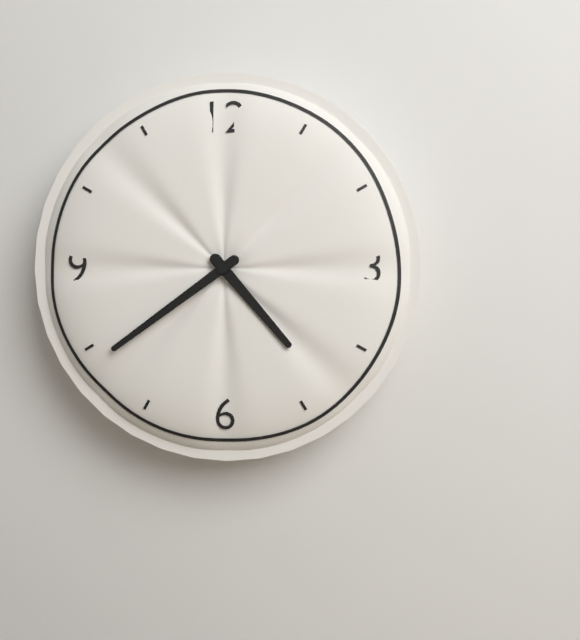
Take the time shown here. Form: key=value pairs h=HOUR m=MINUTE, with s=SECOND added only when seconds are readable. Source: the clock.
h=4 m=39
